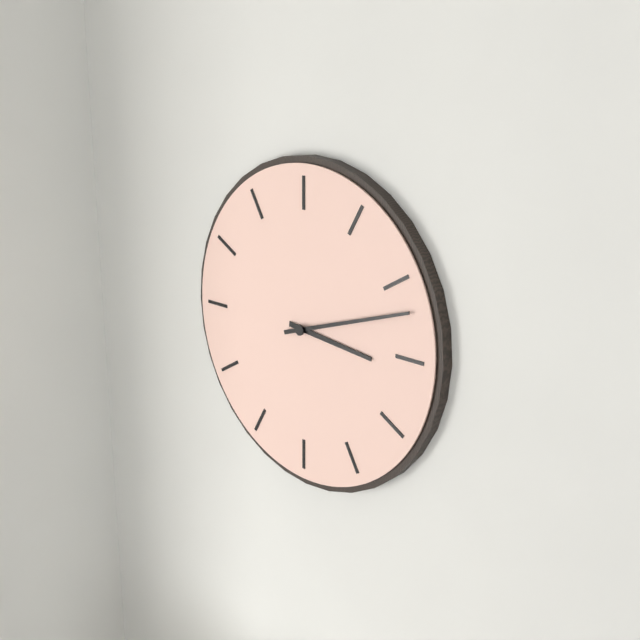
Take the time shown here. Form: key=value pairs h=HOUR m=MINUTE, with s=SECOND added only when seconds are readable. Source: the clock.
h=3 m=12
